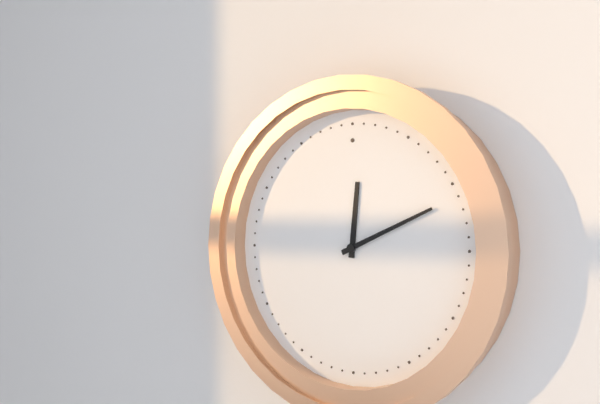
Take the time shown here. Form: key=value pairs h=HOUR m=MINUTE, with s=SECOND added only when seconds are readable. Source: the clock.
h=12 m=11
